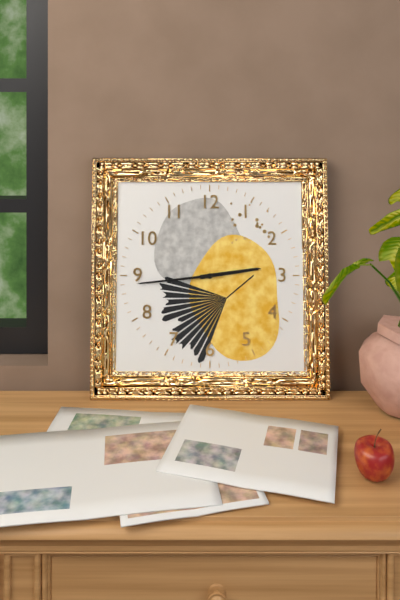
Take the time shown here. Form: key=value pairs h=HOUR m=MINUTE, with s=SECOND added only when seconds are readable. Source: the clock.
h=2 m=44
